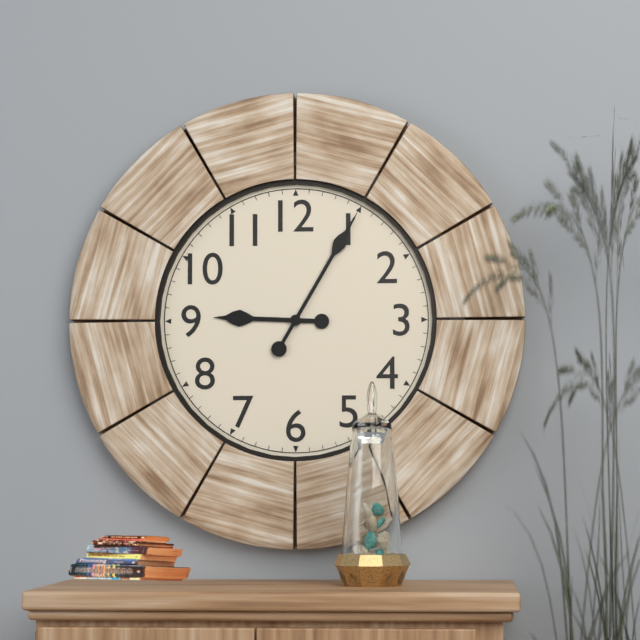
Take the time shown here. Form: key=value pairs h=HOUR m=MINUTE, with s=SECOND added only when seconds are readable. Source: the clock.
h=9 m=5
